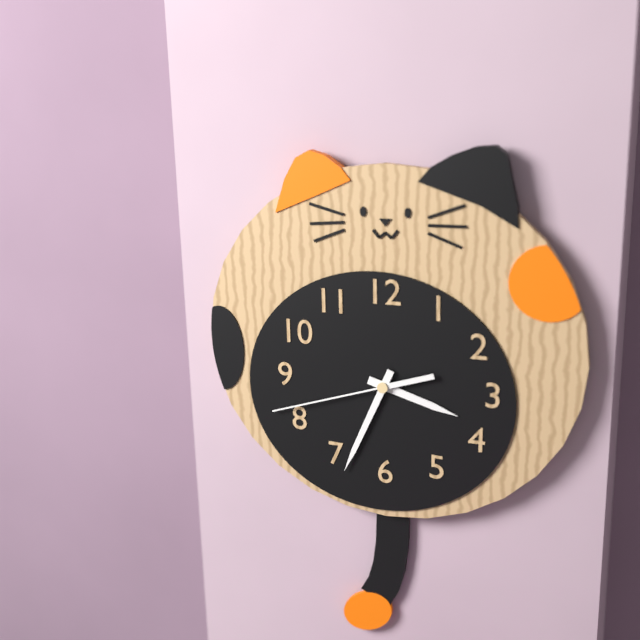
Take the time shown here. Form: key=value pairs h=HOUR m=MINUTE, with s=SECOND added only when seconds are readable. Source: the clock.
h=3 m=34 s=42
